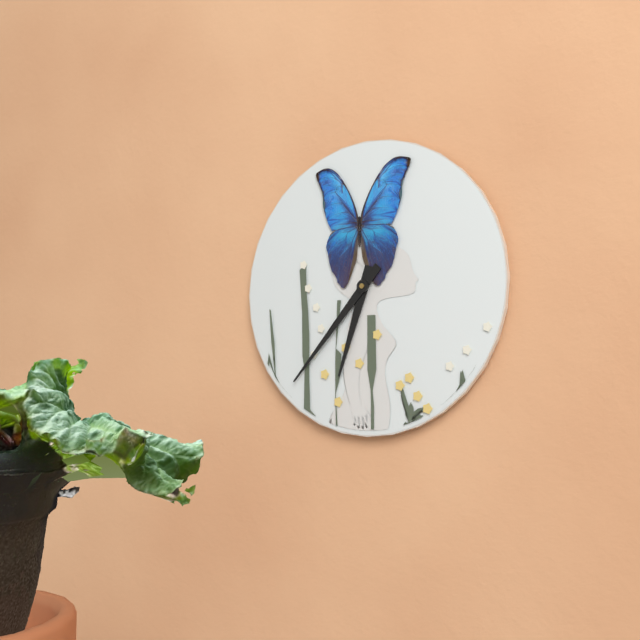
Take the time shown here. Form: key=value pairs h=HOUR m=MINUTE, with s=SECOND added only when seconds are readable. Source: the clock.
h=6 m=37
